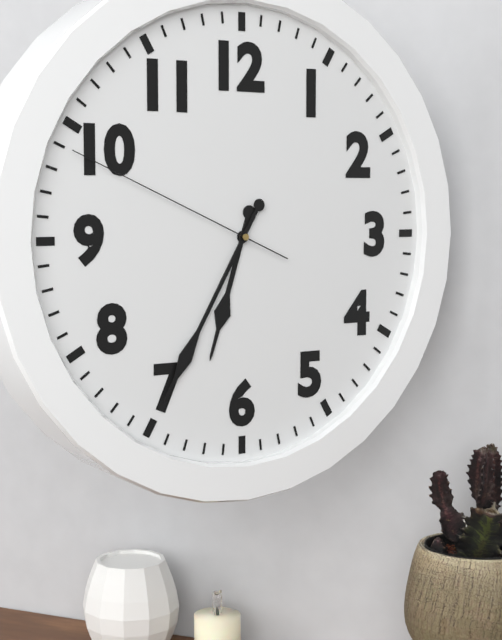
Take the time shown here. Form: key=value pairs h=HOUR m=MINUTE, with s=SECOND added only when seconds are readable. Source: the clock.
h=6 m=35 s=49
